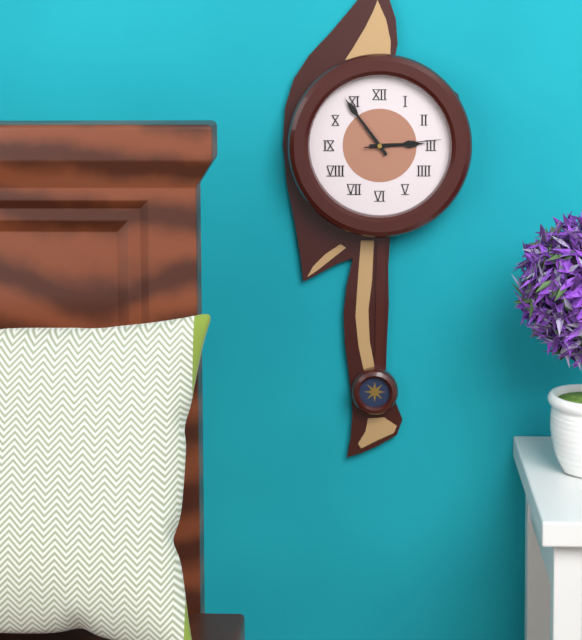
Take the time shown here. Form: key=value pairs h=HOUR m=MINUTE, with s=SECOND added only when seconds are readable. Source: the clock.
h=2 m=54 s=14
